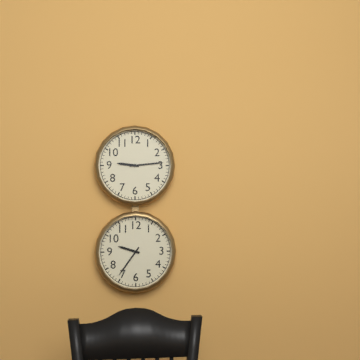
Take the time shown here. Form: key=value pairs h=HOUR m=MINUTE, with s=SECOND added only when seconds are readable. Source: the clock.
h=9 m=14
